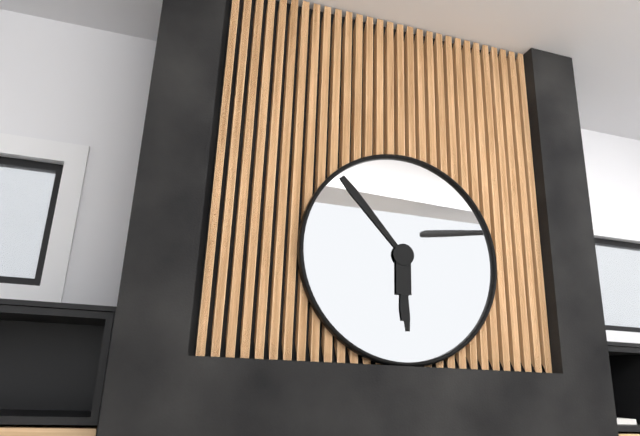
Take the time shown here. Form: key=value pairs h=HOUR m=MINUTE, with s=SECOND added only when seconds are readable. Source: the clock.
h=5 m=53 s=30
